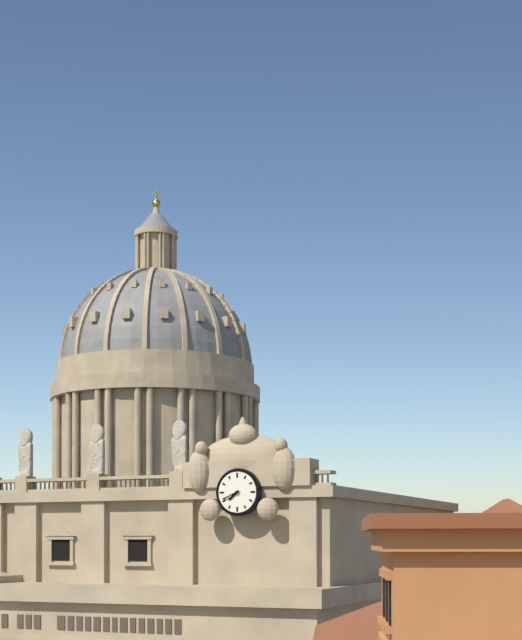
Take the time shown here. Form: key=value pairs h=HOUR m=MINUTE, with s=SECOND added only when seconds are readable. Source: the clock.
h=7 m=41
